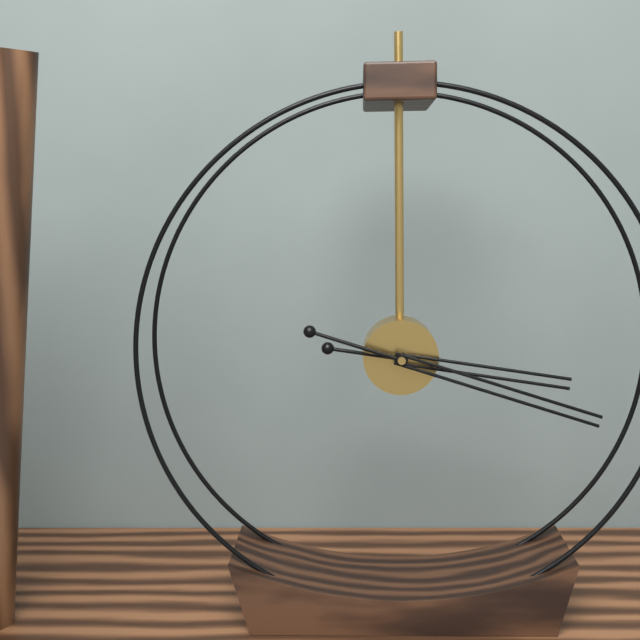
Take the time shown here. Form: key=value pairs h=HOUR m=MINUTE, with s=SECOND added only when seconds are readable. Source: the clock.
h=3 m=18
